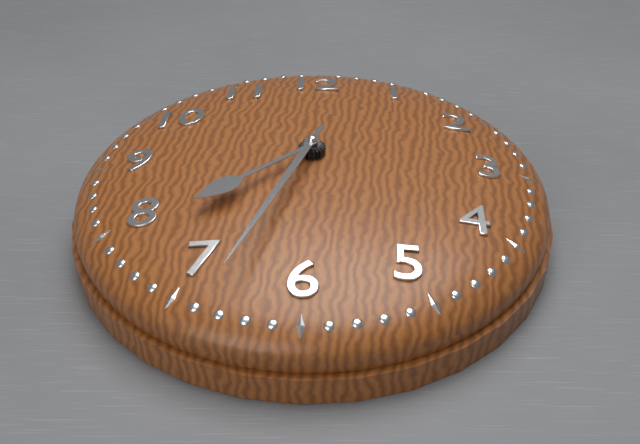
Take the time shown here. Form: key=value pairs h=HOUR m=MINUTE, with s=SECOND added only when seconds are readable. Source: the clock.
h=7 m=33
